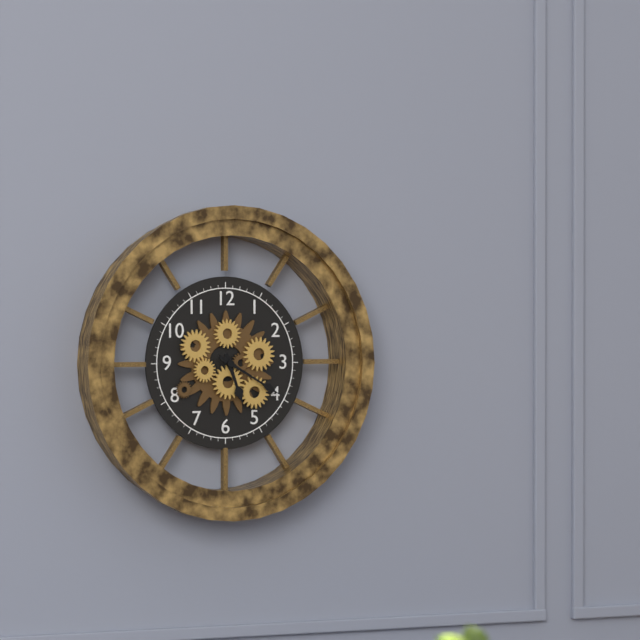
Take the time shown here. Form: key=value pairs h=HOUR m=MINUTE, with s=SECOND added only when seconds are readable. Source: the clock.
h=5 m=20
